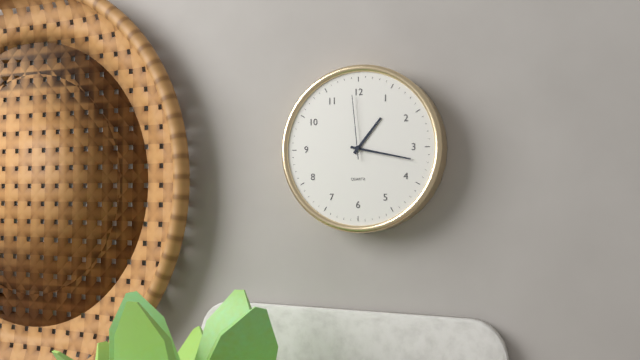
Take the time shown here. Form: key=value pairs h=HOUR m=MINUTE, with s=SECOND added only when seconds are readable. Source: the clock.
h=1 m=17 s=59
